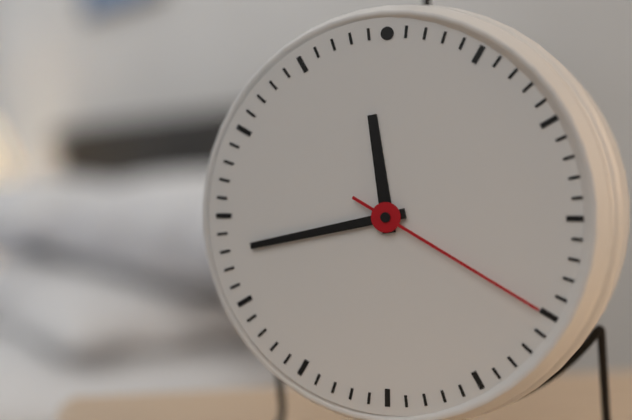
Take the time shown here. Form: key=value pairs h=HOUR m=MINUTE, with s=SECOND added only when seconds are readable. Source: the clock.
h=11 m=43 s=20
